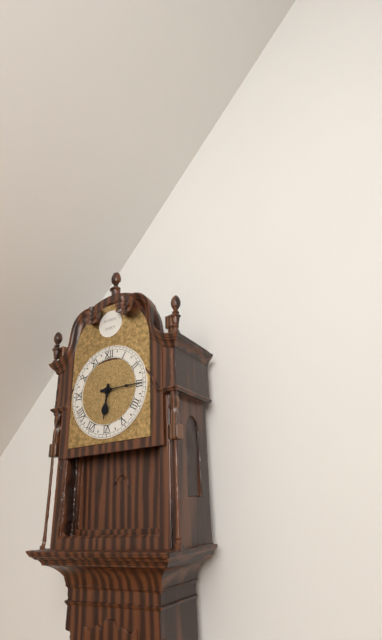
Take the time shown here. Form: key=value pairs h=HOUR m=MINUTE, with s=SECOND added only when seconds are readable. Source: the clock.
h=6 m=15
